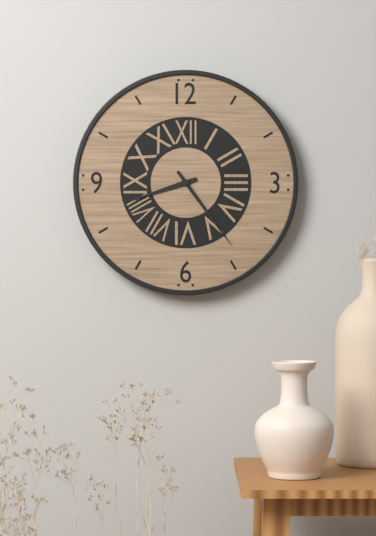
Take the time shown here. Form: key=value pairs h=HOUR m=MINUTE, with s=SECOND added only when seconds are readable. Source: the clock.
h=8 m=24
